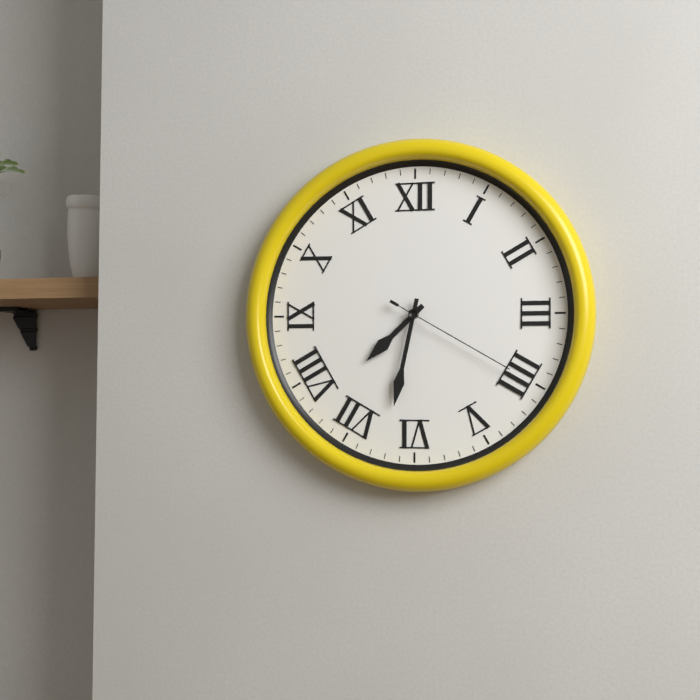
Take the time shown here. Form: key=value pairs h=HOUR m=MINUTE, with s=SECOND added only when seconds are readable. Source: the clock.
h=7 m=32 s=20
